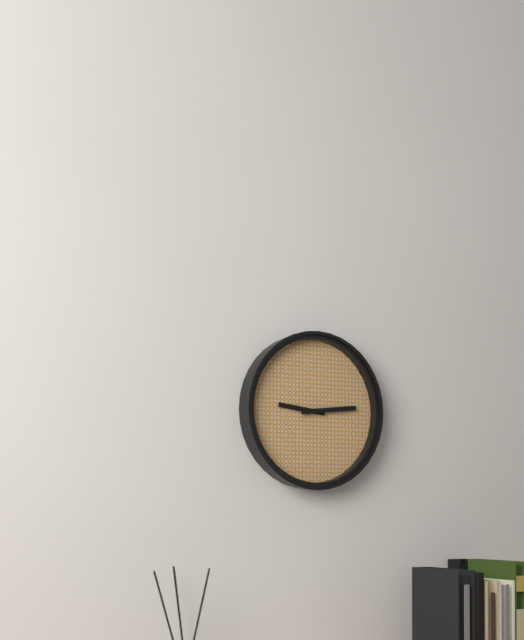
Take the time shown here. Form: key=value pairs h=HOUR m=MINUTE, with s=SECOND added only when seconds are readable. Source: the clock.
h=9 m=14
